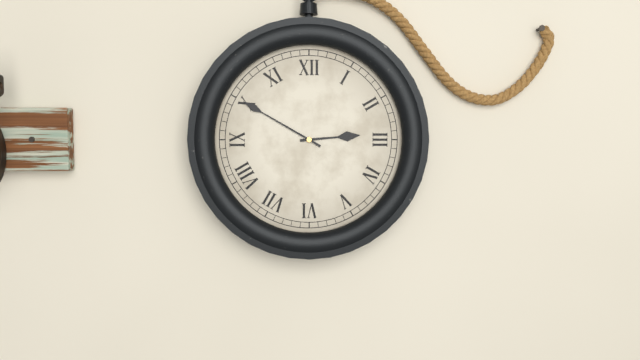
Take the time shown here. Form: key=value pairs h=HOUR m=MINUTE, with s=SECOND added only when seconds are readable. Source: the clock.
h=2 m=50
